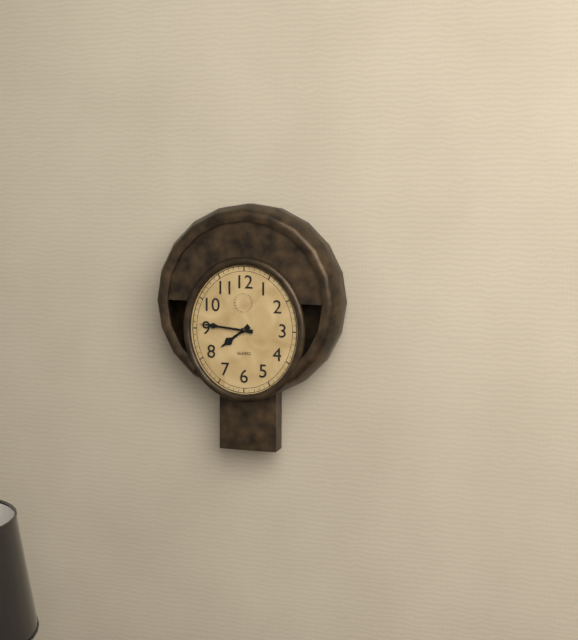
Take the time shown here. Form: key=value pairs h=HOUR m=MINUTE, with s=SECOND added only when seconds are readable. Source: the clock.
h=7 m=46
